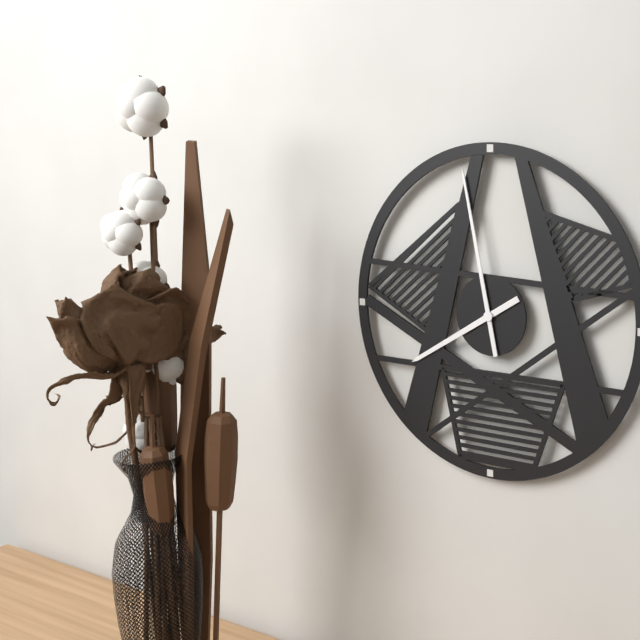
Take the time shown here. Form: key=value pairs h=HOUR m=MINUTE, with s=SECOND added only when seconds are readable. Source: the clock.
h=7 m=58
